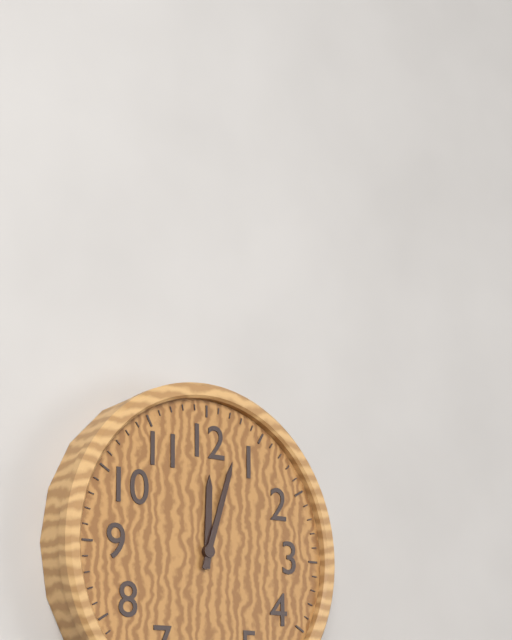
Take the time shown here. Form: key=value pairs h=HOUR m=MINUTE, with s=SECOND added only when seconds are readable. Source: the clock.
h=12 m=3
